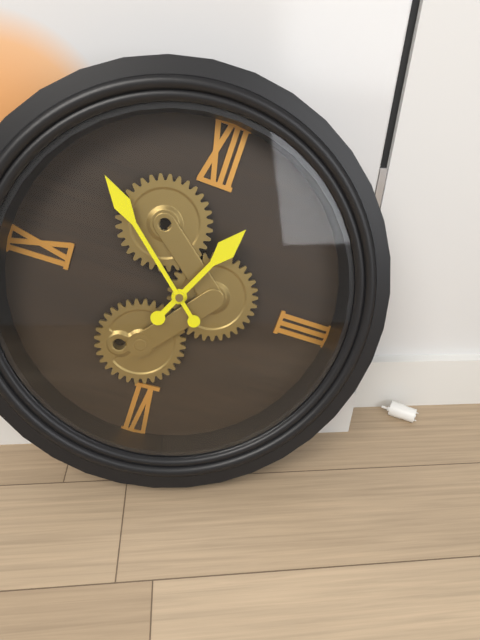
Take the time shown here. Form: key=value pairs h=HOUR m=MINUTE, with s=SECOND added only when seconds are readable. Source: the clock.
h=12 m=52
